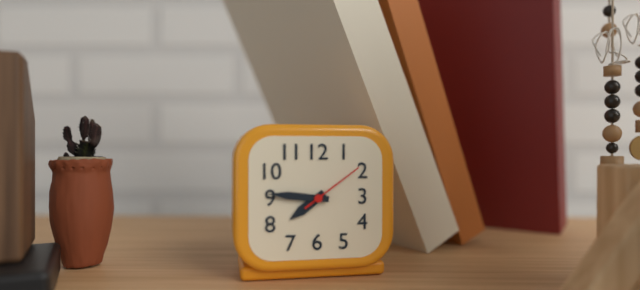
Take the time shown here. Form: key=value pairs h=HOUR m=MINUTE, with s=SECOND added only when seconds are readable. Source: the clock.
h=7 m=46 s=9
